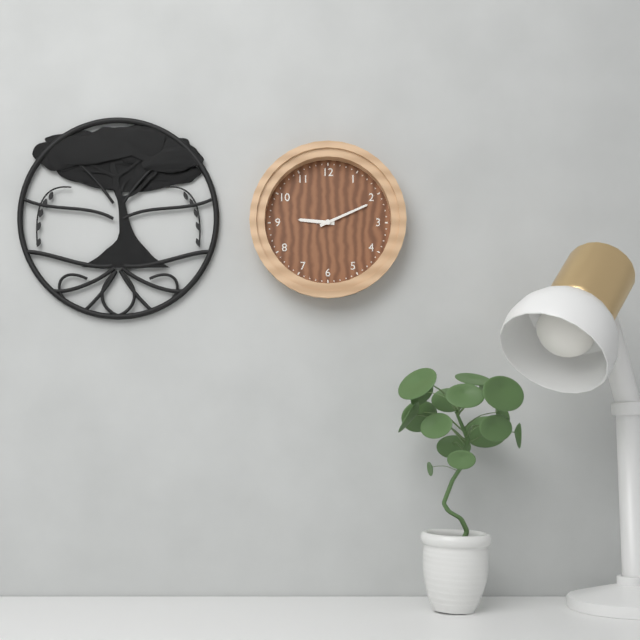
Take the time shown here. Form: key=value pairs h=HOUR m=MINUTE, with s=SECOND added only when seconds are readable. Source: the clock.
h=9 m=11
